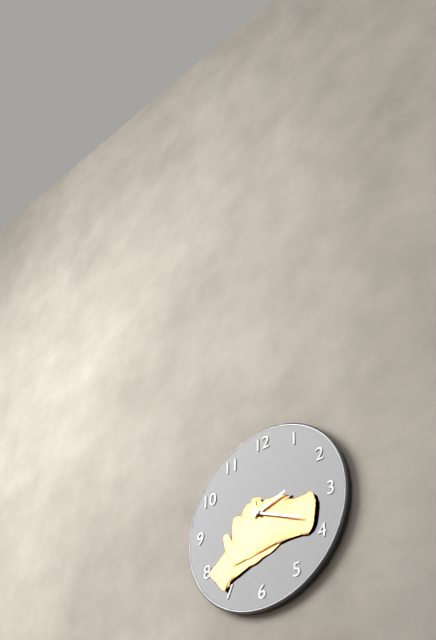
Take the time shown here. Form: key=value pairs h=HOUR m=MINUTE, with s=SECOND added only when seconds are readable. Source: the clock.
h=2 m=19
